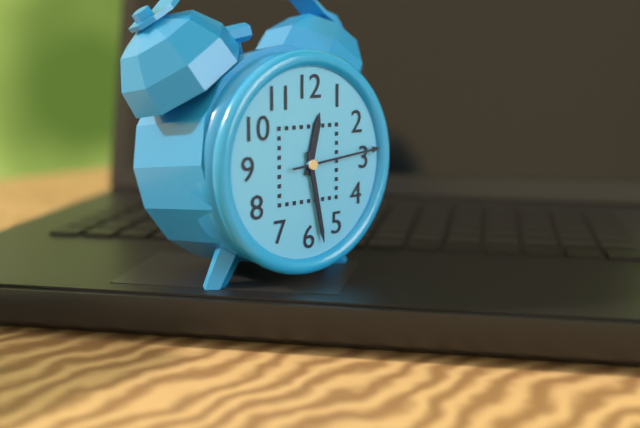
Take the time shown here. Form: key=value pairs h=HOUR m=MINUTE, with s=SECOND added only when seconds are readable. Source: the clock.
h=12 m=28 s=14
